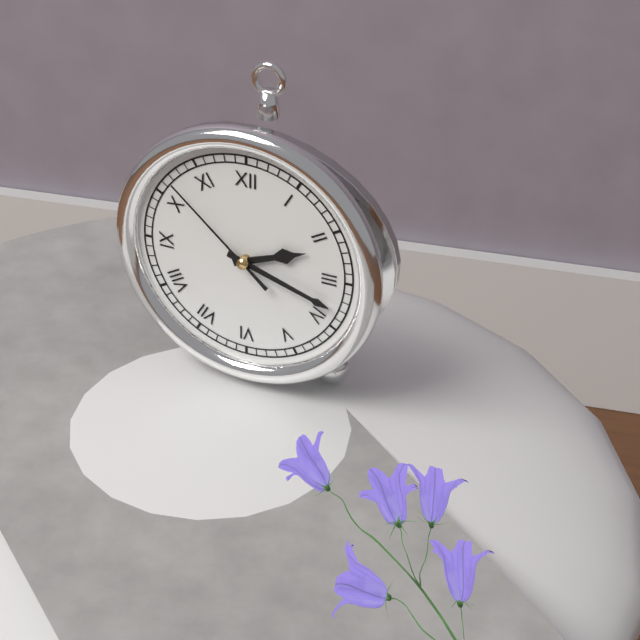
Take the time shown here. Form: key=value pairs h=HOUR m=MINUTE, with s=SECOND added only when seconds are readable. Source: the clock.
h=2 m=18 s=52
